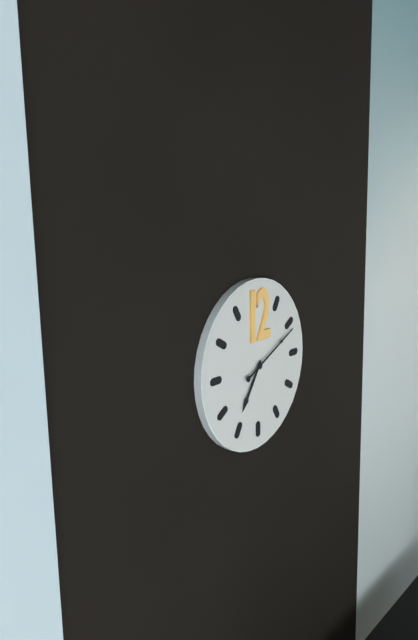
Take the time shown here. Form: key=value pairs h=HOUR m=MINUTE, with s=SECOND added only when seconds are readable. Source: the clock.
h=7 m=11
